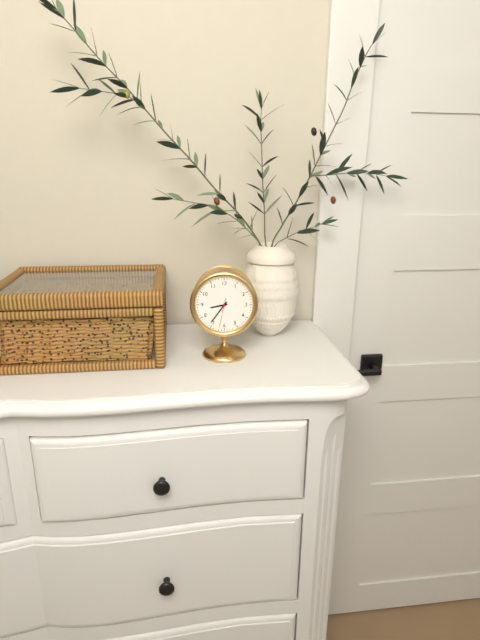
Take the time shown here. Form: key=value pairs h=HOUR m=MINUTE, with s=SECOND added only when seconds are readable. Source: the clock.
h=8 m=36
